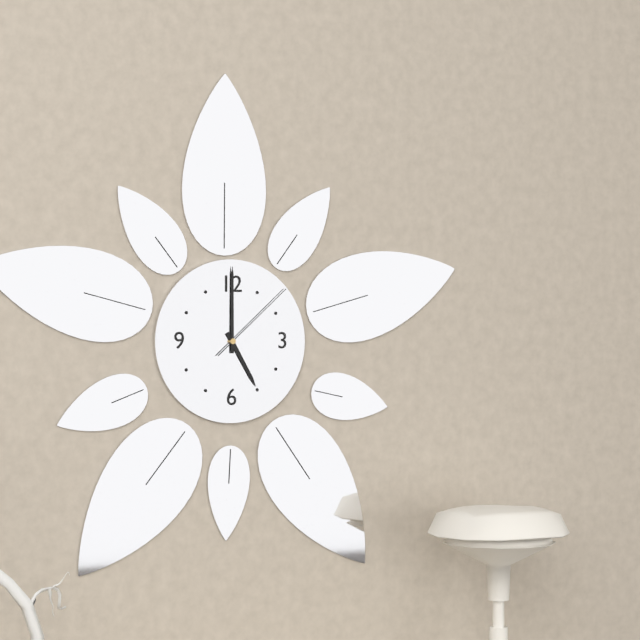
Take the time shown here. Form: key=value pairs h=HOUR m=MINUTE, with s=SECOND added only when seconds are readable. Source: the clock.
h=5 m=0 s=8
